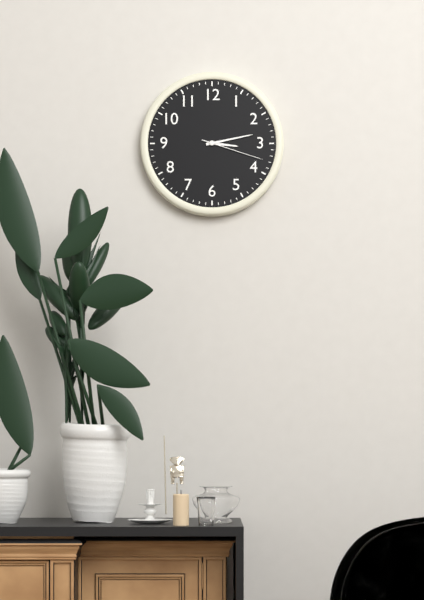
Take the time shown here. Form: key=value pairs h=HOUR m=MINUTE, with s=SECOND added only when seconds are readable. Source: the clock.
h=3 m=13 s=18
